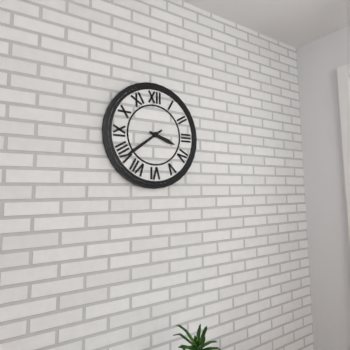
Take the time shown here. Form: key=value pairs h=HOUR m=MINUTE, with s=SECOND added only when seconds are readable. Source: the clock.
h=3 m=39
